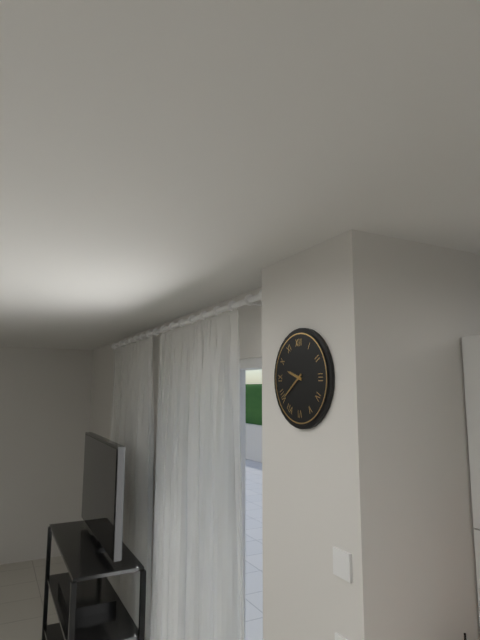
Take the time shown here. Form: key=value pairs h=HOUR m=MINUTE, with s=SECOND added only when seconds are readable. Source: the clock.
h=9 m=39
